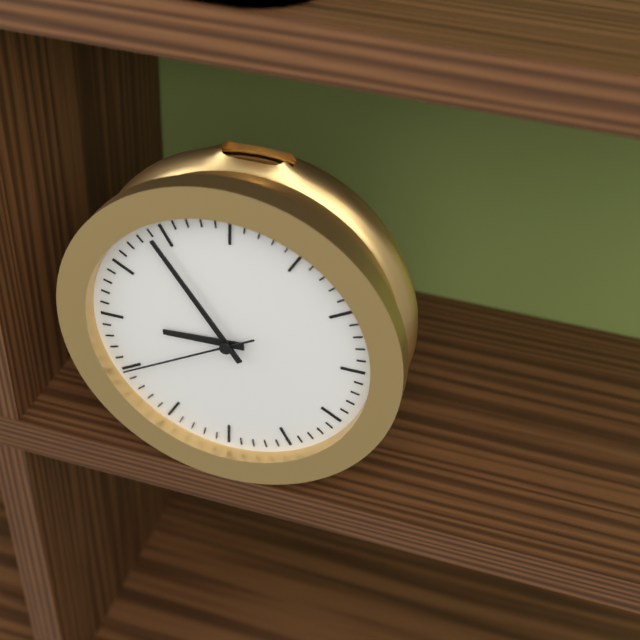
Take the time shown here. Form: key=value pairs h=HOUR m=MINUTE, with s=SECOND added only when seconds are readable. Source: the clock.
h=8 m=54 s=40
